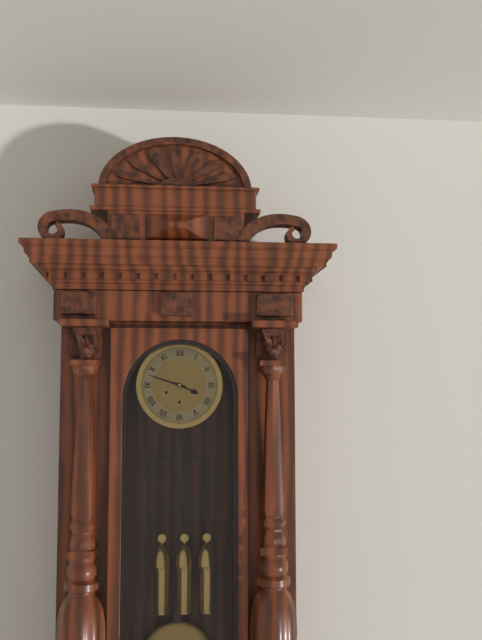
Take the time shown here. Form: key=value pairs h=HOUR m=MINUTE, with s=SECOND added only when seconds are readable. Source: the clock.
h=3 m=48
